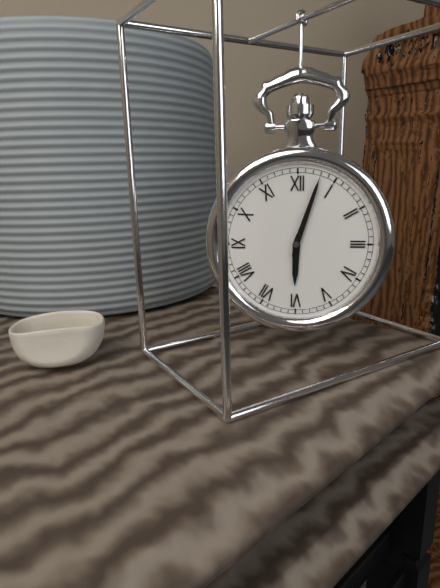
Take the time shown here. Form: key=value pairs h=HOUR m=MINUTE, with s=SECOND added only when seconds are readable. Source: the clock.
h=6 m=3
